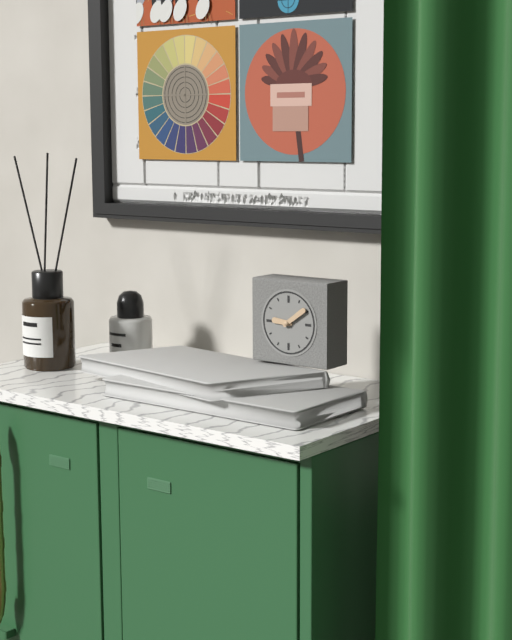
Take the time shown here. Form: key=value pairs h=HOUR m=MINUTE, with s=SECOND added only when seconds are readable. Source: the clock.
h=9 m=9
